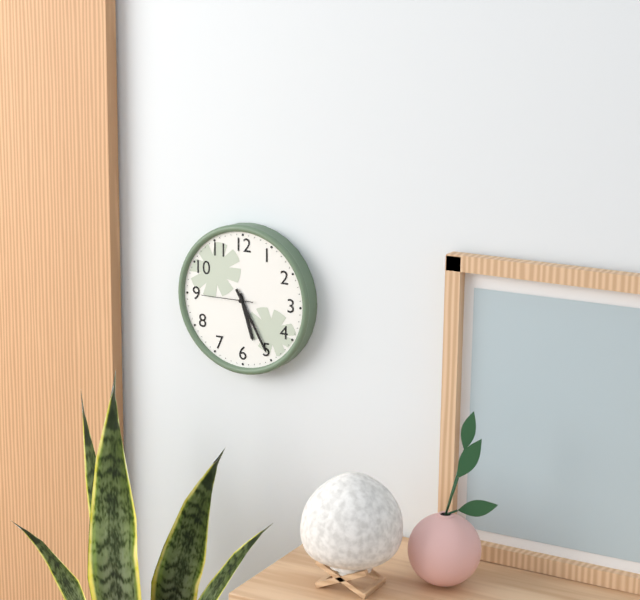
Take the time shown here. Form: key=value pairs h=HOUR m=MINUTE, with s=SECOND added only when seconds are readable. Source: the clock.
h=5 m=25 s=45
